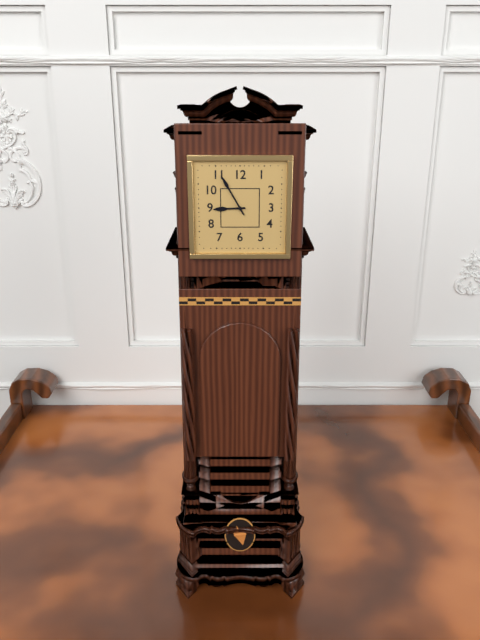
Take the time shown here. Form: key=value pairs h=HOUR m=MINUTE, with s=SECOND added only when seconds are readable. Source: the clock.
h=8 m=55
